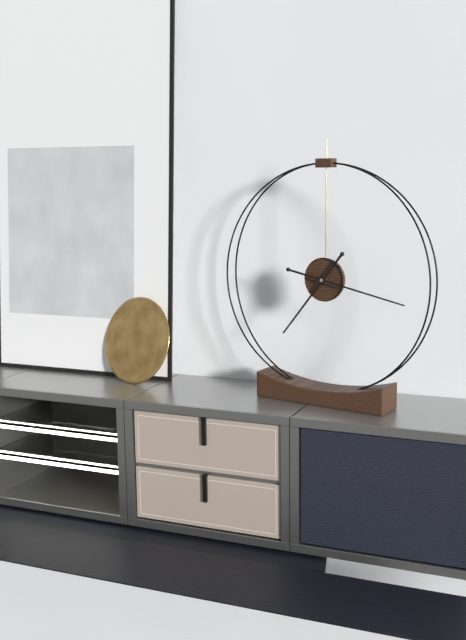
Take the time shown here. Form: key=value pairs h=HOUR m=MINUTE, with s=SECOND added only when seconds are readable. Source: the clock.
h=7 m=17
